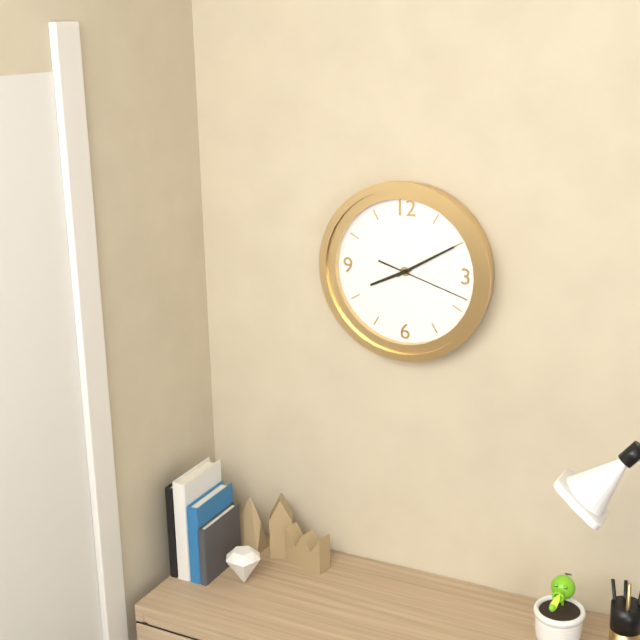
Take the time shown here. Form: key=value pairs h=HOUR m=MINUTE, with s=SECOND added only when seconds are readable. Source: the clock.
h=8 m=10 s=18
